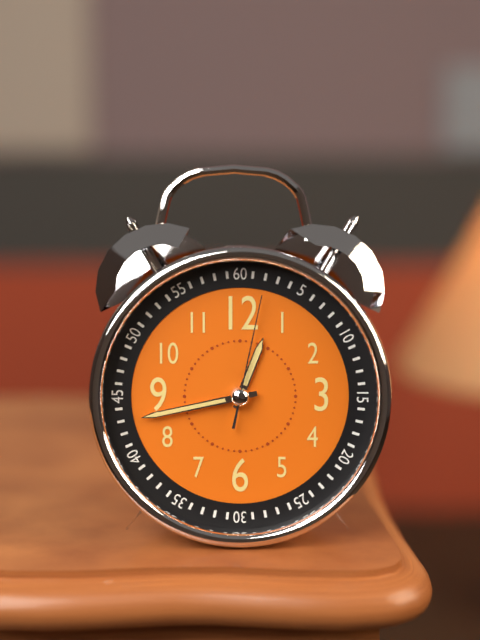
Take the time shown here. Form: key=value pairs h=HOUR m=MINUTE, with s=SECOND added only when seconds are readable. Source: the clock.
h=12 m=43 s=2
